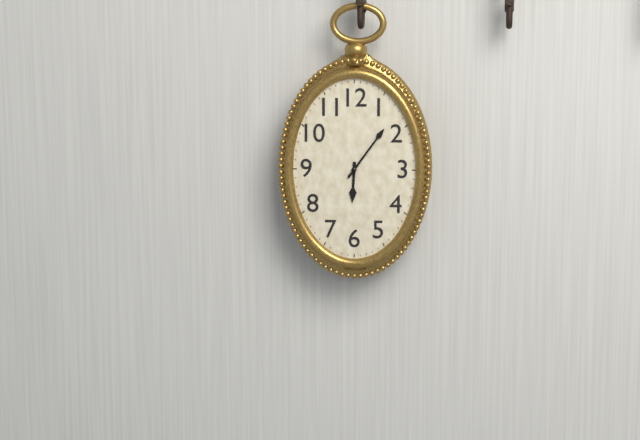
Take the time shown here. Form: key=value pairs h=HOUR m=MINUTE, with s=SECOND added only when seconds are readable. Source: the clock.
h=6 m=6
